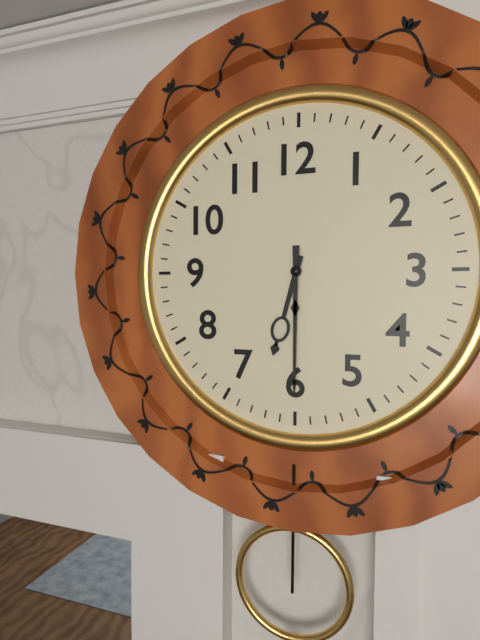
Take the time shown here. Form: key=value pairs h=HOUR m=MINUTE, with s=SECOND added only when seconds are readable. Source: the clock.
h=6 m=30
